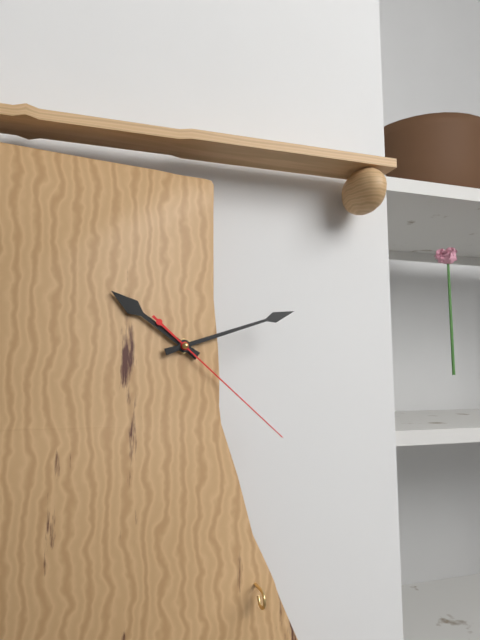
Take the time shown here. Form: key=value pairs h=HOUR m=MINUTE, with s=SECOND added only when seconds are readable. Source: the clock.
h=10 m=12 s=22
